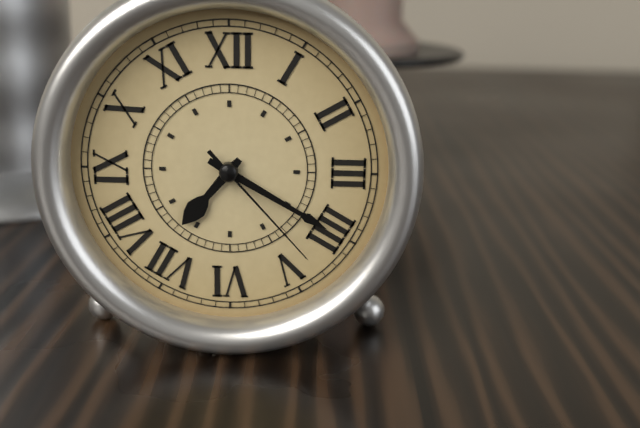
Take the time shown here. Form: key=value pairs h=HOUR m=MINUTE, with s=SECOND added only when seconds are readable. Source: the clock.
h=7 m=20 s=23
